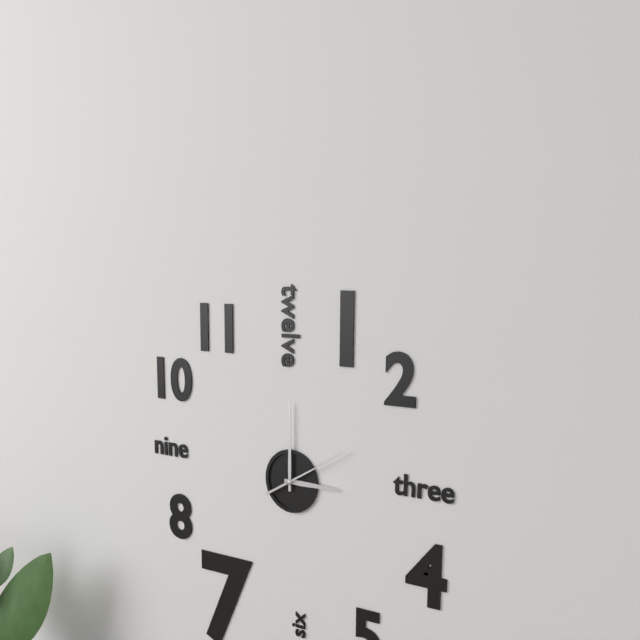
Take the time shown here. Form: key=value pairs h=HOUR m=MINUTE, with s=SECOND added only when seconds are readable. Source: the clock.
h=3 m=0 s=10
